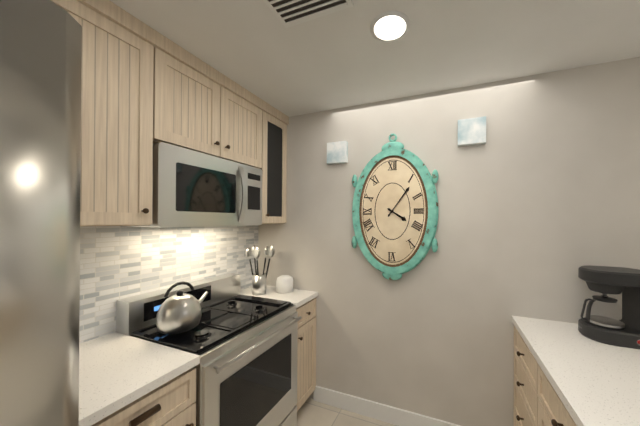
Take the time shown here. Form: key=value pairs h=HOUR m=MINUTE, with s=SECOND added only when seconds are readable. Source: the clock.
h=4 m=6
